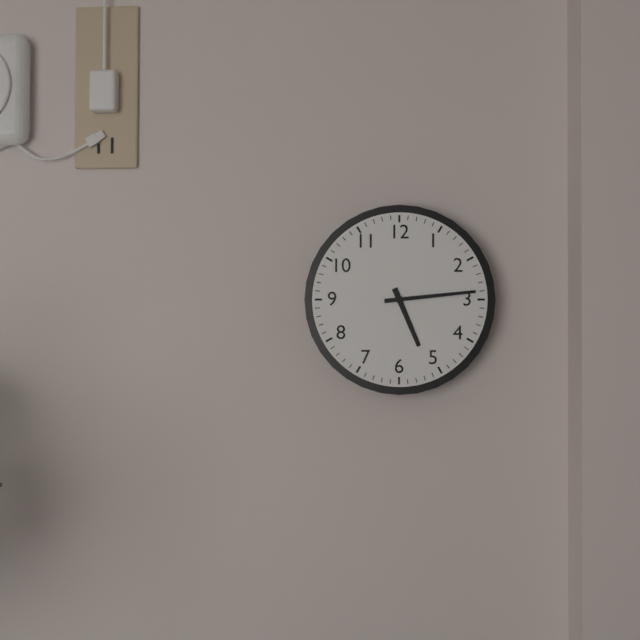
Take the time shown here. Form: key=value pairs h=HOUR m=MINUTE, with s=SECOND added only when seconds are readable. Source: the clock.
h=5 m=14
